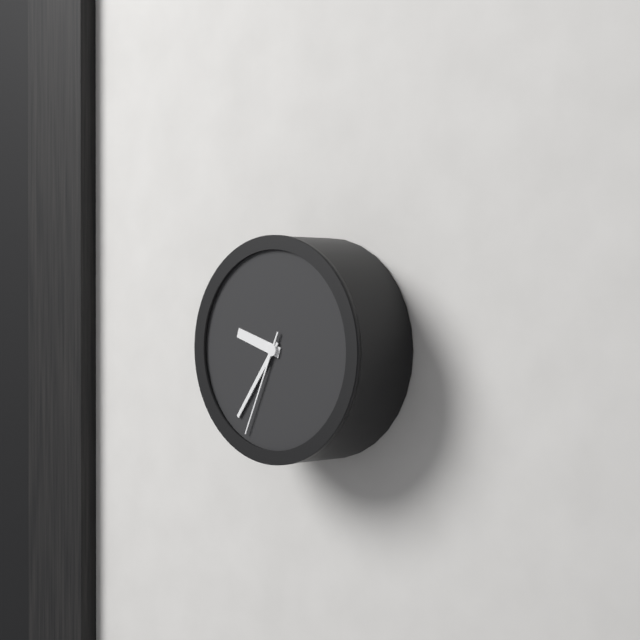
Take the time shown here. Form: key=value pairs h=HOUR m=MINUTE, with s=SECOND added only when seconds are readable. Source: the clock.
h=9 m=36 s=34
